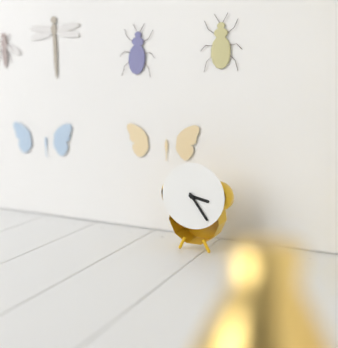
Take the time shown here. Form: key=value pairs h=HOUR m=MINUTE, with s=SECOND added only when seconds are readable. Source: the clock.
h=3 m=24
